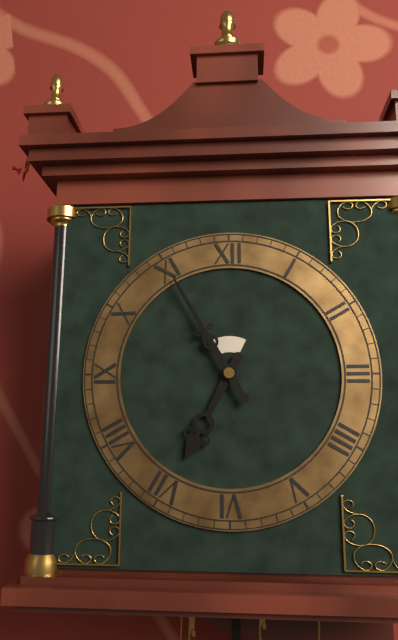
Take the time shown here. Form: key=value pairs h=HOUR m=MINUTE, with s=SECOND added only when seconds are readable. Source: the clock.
h=6 m=55
